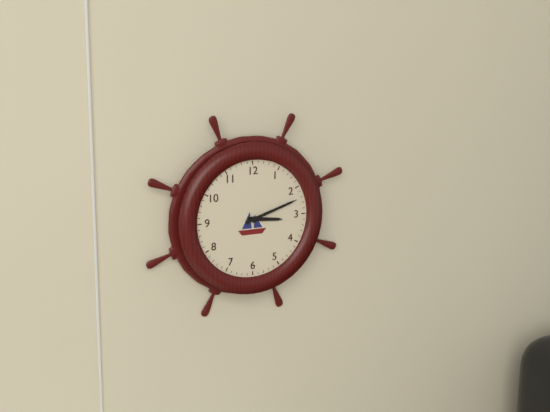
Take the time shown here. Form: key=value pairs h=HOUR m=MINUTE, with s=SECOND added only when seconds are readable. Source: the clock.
h=3 m=12
